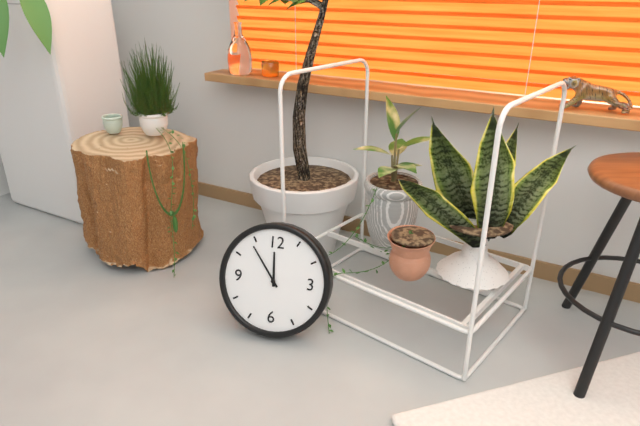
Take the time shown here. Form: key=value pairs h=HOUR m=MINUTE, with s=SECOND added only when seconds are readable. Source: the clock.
h=11 m=54
